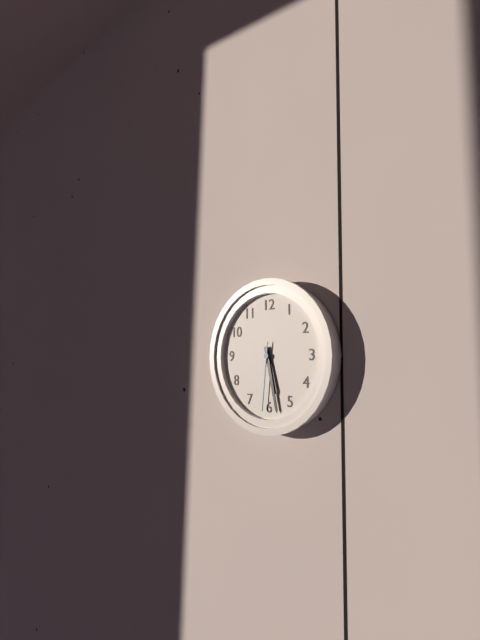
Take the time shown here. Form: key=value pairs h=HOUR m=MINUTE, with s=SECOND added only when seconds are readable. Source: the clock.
h=5 m=28 s=31
